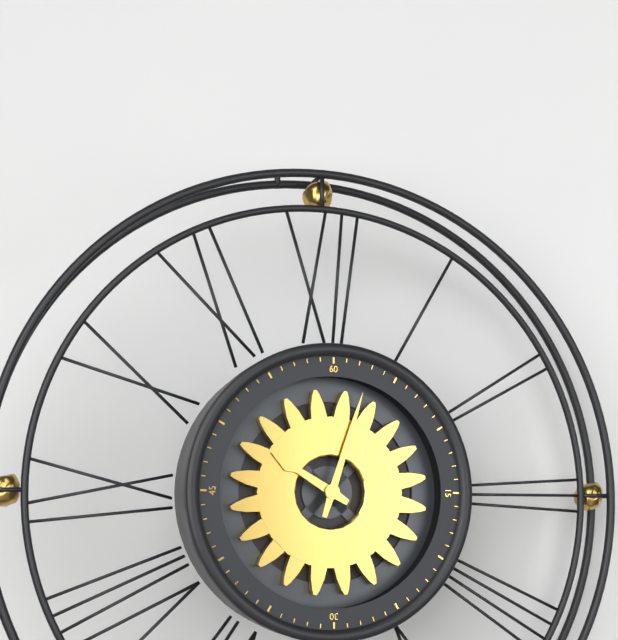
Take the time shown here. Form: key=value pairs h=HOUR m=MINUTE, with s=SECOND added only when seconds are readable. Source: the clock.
h=10 m=3
